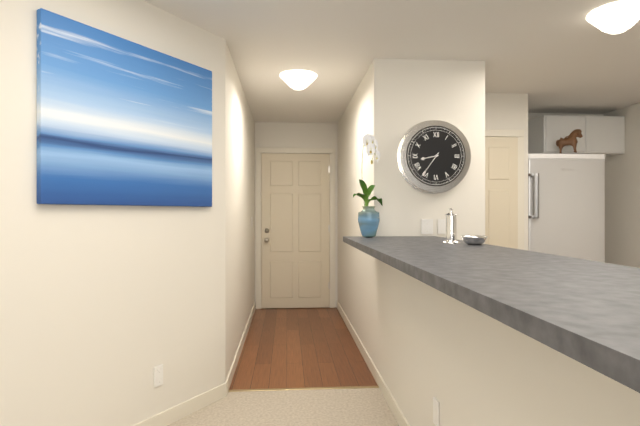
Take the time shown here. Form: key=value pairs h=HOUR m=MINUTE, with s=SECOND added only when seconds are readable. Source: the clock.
h=8 m=36
